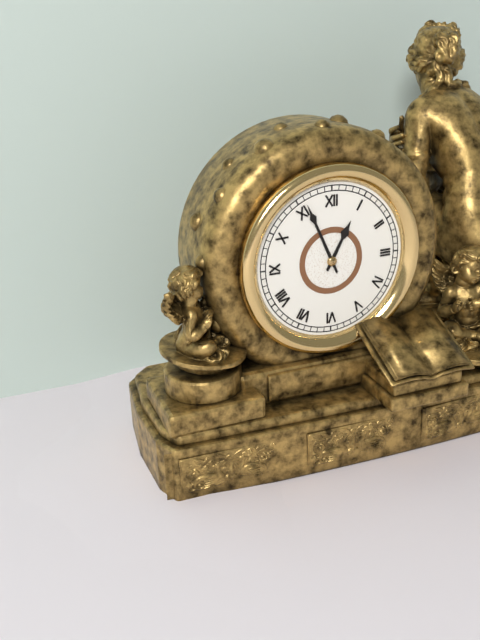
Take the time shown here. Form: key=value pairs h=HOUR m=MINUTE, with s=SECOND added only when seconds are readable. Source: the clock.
h=12 m=56
